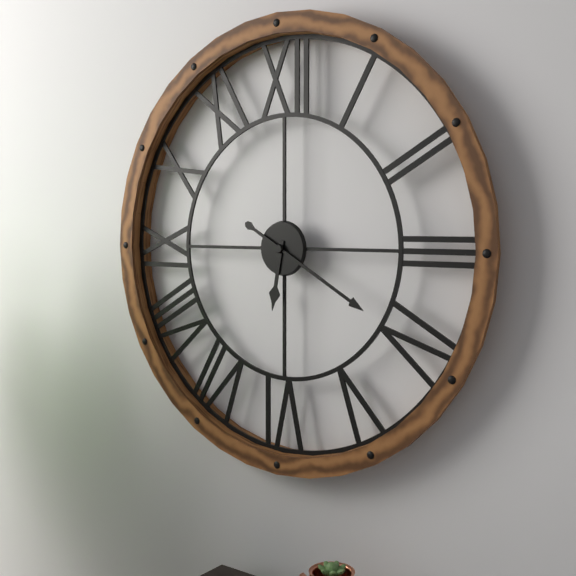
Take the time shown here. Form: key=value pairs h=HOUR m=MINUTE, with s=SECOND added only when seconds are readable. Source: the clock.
h=6 m=20
